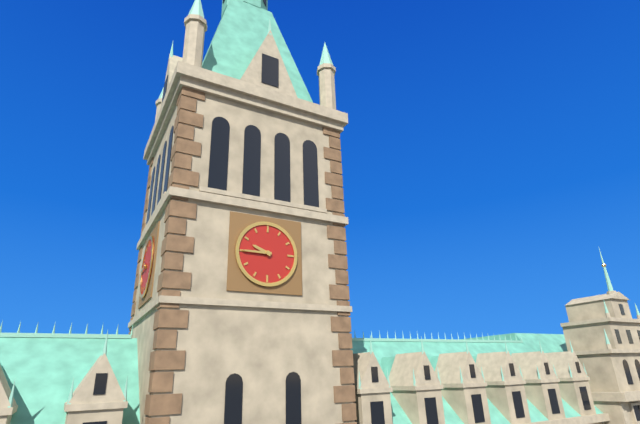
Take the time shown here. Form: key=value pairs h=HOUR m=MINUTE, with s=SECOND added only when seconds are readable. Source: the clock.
h=9 m=45
